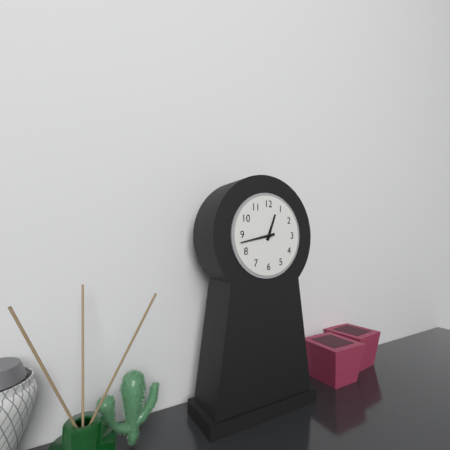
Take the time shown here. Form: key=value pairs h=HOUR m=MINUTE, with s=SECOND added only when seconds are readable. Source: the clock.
h=12 m=43
